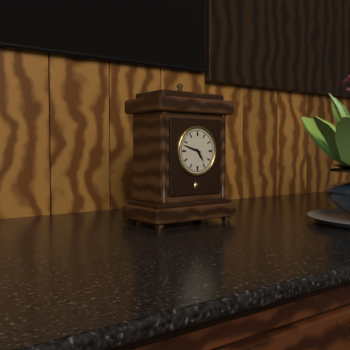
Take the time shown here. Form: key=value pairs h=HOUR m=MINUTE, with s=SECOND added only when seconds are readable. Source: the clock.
h=4 m=48
